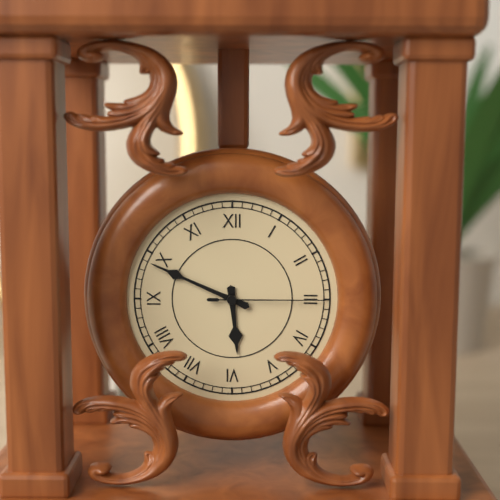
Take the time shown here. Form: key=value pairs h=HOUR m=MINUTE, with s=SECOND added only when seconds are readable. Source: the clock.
h=5 m=49 s=15
